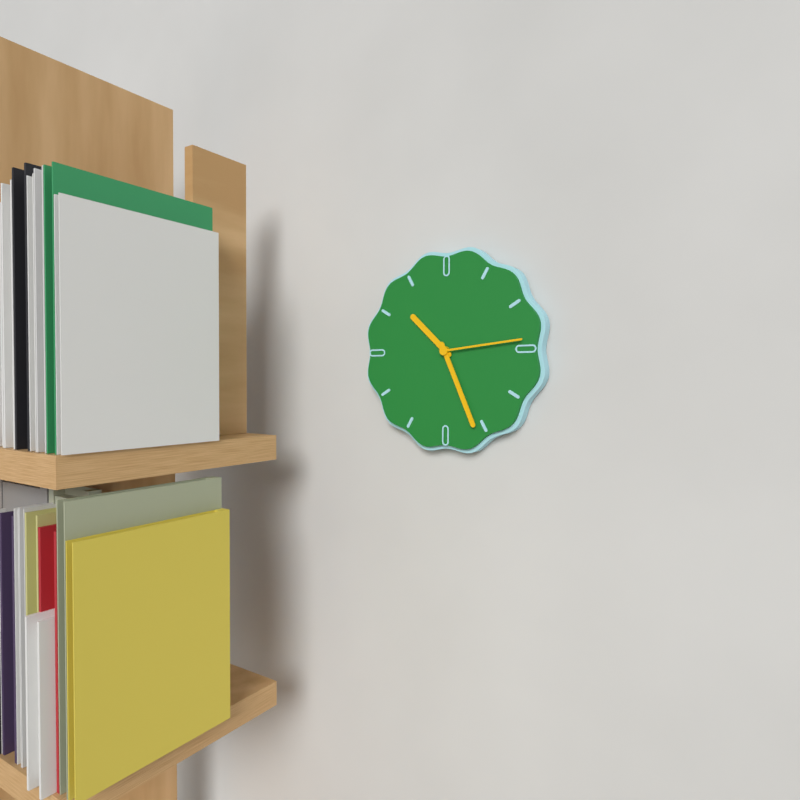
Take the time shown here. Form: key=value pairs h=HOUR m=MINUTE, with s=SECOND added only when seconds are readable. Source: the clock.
h=10 m=26 s=14
